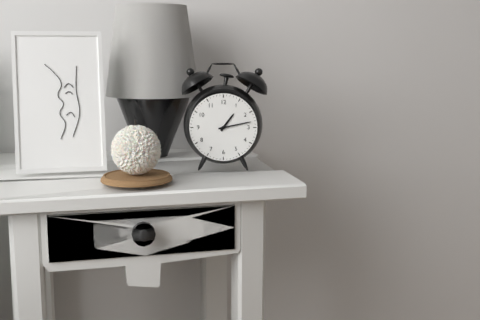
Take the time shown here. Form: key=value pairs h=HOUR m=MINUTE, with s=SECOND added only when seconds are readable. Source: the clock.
h=1 m=13
